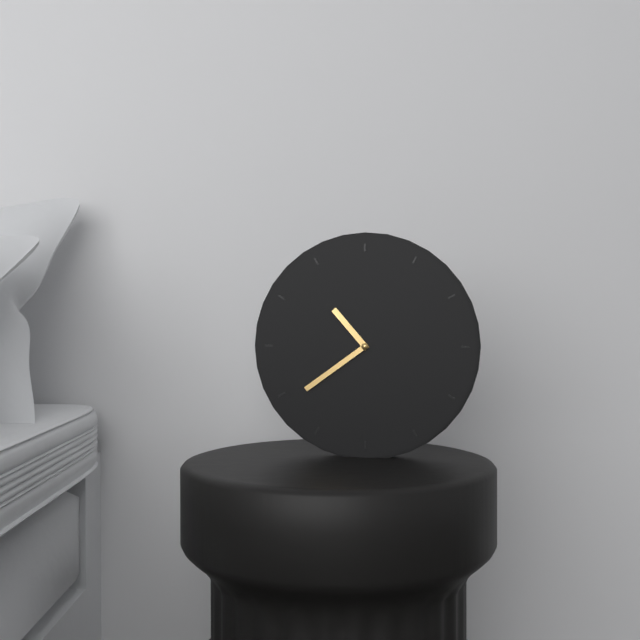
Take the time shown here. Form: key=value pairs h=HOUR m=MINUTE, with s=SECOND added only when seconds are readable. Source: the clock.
h=10 m=39
